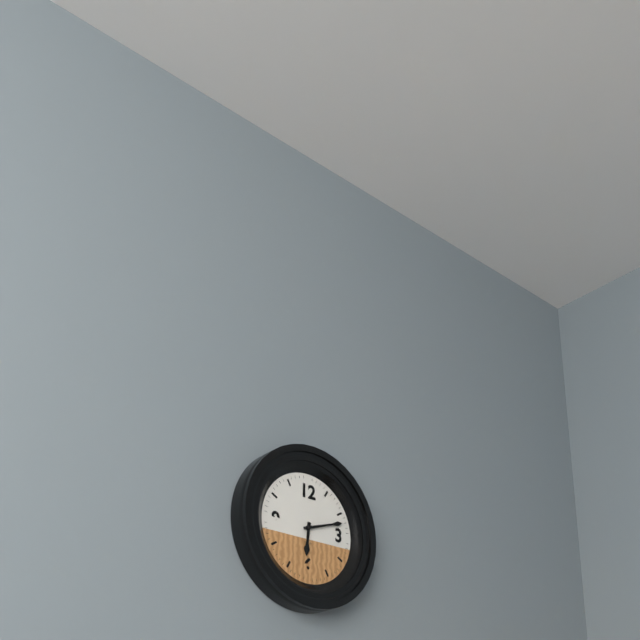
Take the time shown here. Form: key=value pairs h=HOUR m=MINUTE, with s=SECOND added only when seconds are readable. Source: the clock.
h=6 m=12
